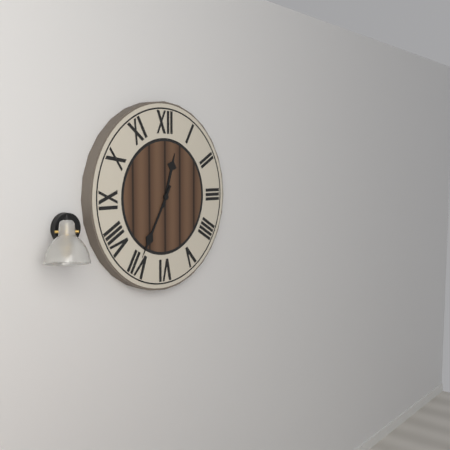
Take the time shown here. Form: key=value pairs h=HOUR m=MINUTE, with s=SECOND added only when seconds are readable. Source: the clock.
h=12 m=35
